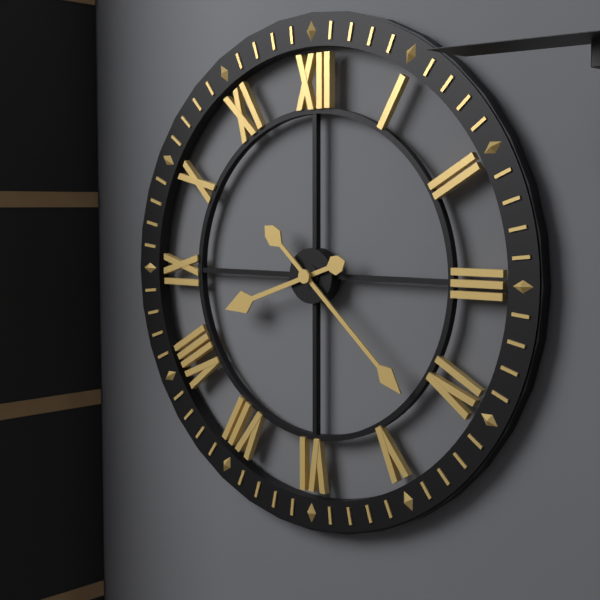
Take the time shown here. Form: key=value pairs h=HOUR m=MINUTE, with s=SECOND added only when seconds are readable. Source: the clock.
h=8 m=22
